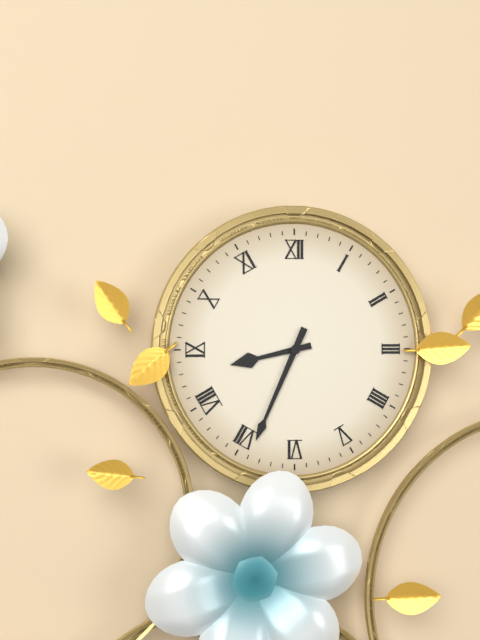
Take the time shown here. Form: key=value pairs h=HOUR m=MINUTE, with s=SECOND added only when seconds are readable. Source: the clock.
h=8 m=34
